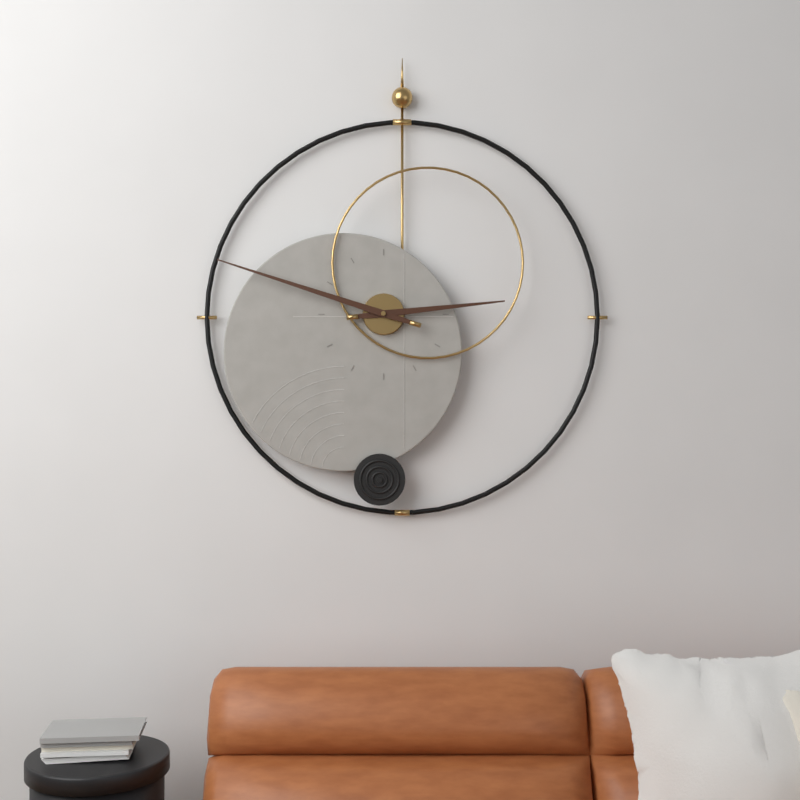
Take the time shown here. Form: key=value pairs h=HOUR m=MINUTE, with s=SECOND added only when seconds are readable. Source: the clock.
h=2 m=48
